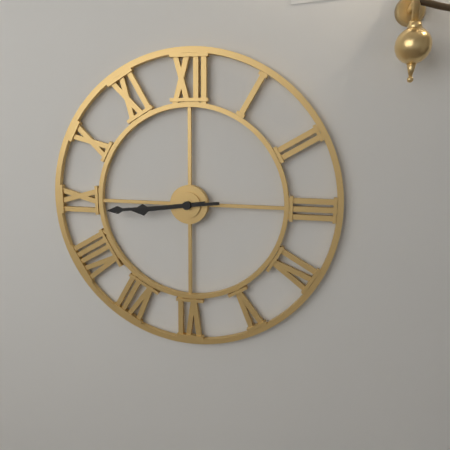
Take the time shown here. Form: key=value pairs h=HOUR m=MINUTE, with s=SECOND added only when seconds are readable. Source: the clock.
h=8 m=44
